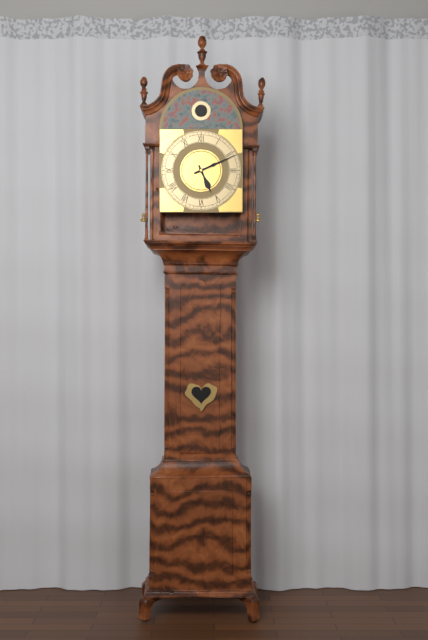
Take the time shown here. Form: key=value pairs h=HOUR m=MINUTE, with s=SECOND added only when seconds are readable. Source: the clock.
h=5 m=11
